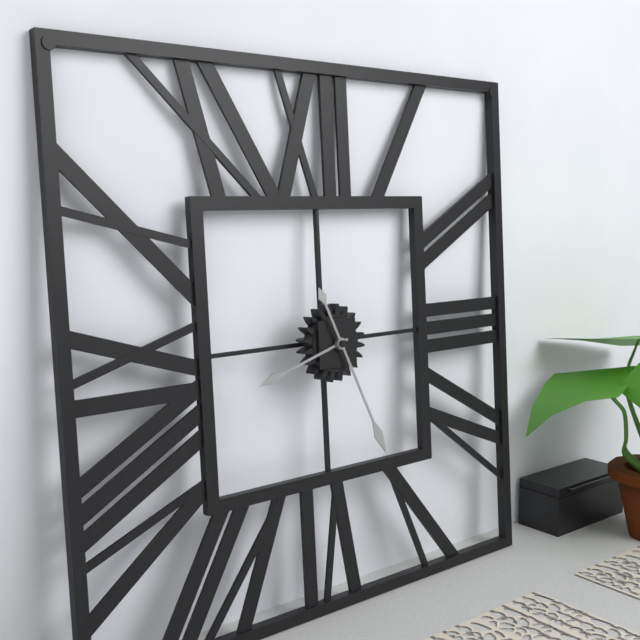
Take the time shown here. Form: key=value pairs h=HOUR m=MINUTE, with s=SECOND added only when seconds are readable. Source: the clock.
h=8 m=26
